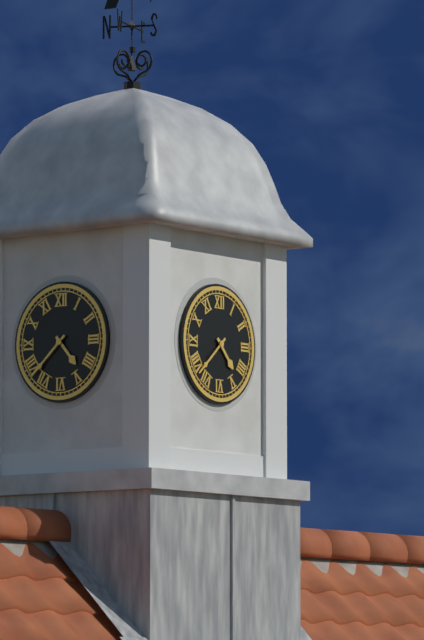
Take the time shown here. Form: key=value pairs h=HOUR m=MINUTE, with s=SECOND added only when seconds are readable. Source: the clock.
h=4 m=38
